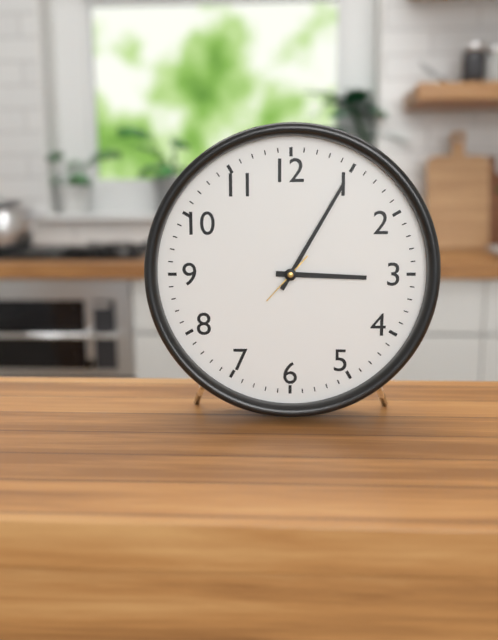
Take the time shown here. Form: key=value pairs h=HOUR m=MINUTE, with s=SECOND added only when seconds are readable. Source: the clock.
h=3 m=5
